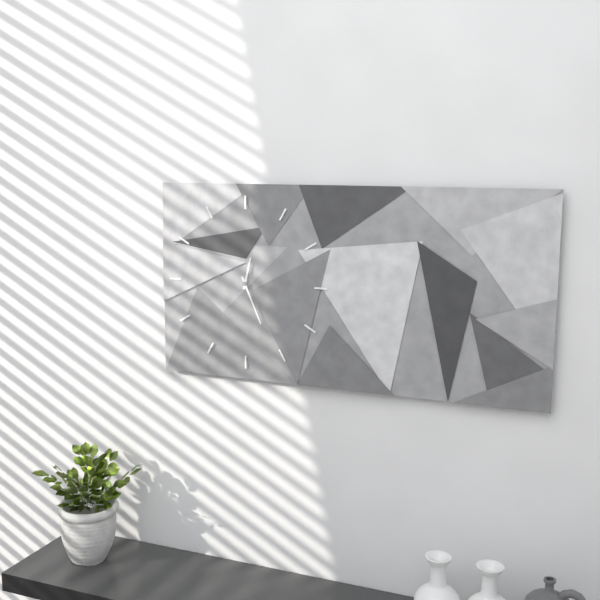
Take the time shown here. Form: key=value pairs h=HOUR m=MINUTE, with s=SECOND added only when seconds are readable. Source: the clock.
h=12 m=26
